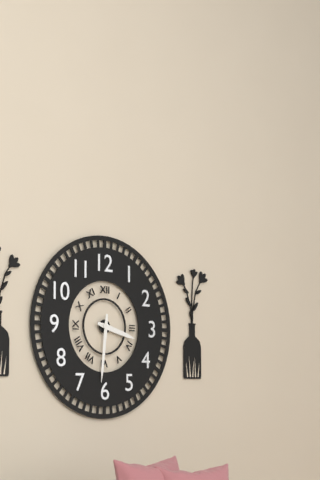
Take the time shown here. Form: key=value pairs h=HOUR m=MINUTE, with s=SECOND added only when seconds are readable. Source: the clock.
h=3 m=31
